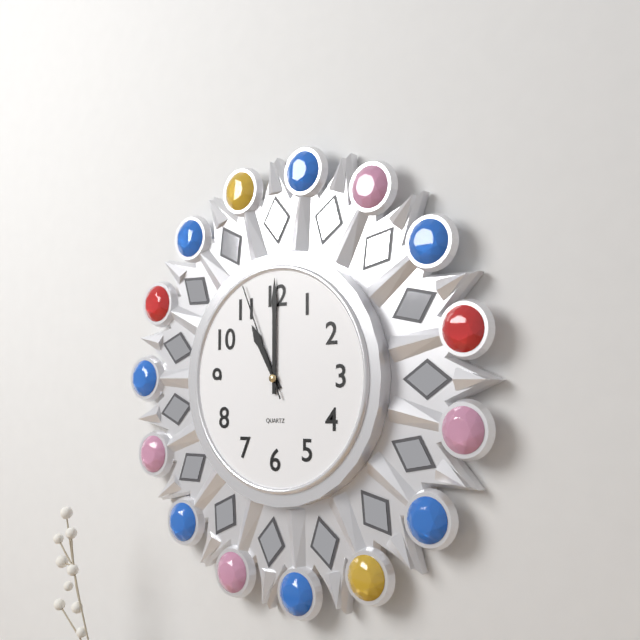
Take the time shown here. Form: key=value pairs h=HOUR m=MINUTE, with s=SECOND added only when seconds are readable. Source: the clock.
h=11 m=0 s=56
